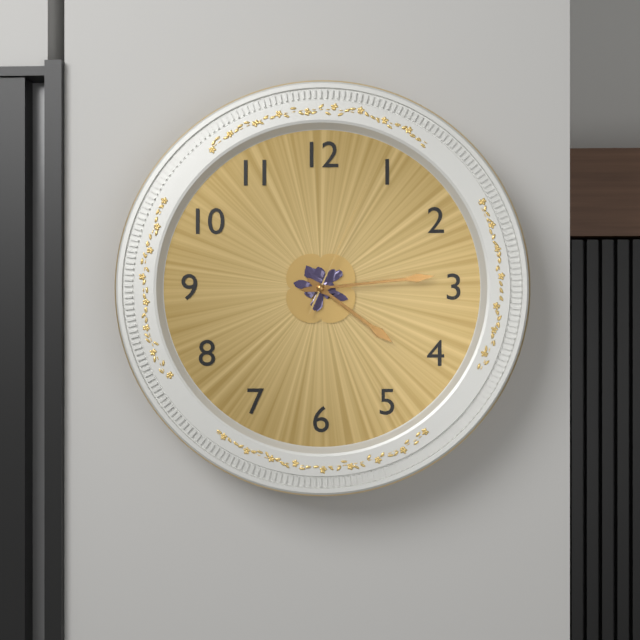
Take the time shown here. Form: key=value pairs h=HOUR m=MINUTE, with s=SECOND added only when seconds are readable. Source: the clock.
h=4 m=14 s=4
